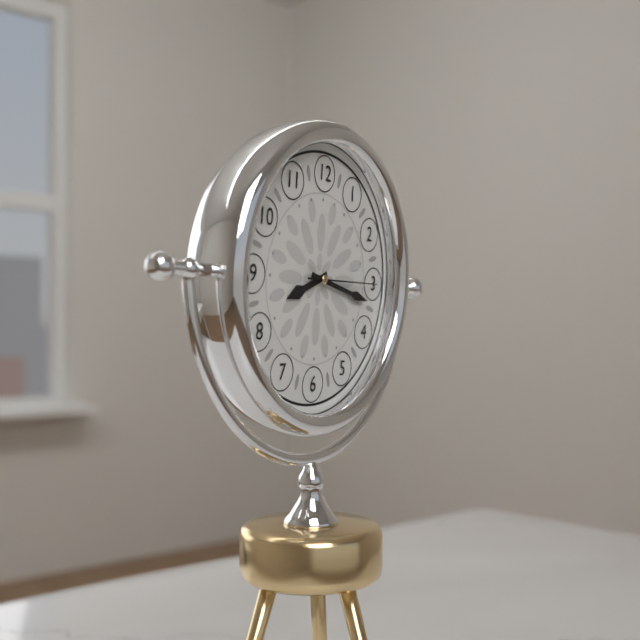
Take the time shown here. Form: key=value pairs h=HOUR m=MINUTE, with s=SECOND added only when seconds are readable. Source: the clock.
h=8 m=17 s=15
